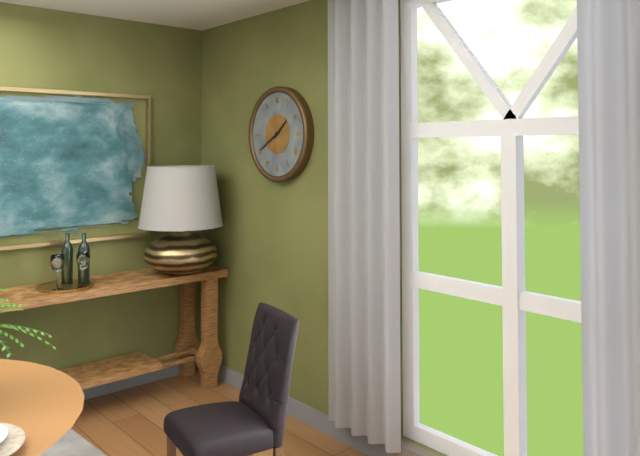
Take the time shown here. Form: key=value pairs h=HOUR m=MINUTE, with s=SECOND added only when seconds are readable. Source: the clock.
h=1 m=40
